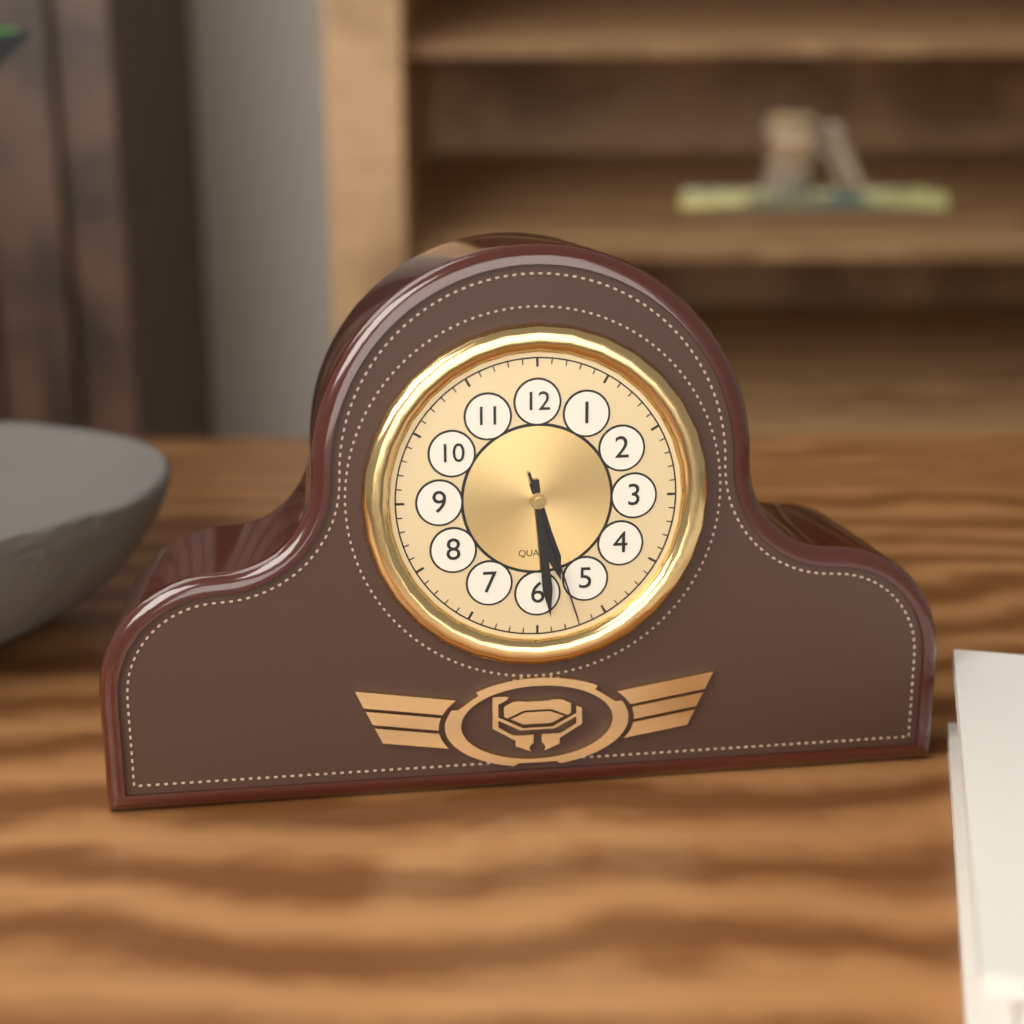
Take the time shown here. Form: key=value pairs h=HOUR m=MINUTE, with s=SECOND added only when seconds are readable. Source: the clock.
h=5 m=29 s=27
